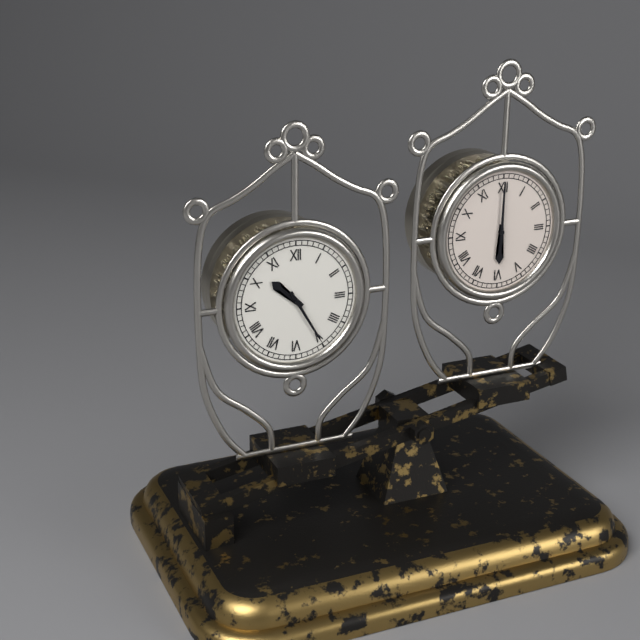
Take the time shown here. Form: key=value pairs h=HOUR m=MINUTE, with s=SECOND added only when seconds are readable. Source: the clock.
h=10 m=25
